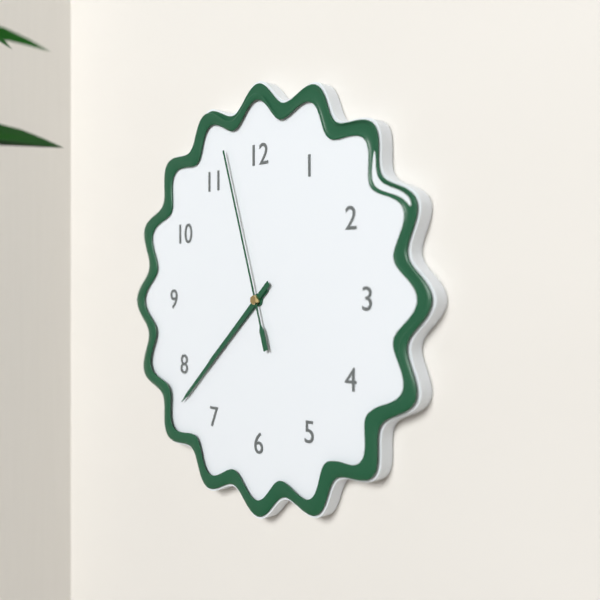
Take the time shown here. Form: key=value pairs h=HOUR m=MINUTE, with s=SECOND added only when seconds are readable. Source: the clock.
h=7 m=38 s=57
